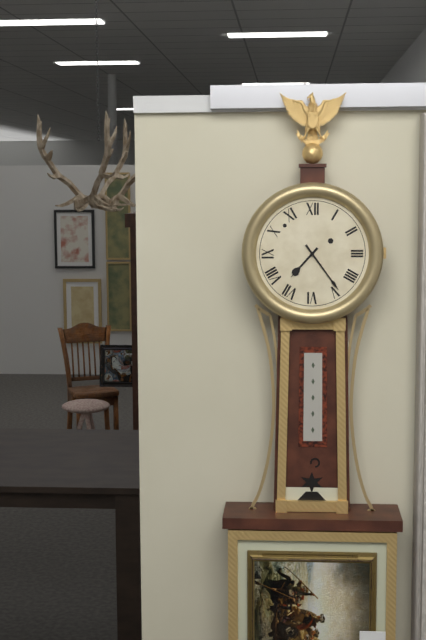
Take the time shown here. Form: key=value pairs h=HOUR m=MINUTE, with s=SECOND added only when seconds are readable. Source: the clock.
h=7 m=24
